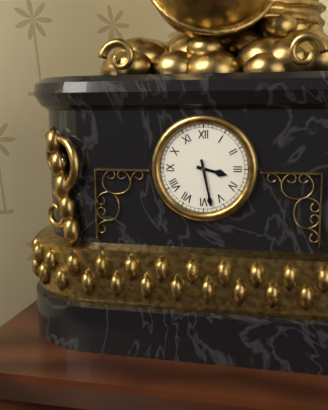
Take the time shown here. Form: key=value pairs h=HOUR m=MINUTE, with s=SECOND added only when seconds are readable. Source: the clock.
h=3 m=28
